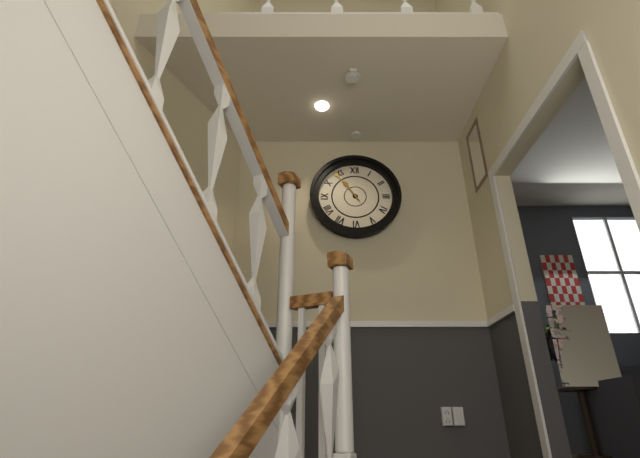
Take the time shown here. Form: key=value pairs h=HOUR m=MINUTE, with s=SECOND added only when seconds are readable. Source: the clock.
h=10 m=54
